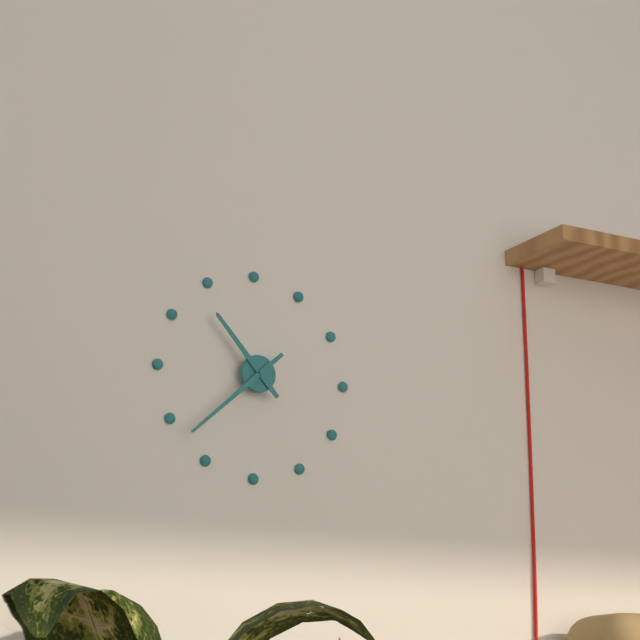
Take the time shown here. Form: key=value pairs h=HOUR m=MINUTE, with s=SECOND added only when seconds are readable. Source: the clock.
h=10 m=38
